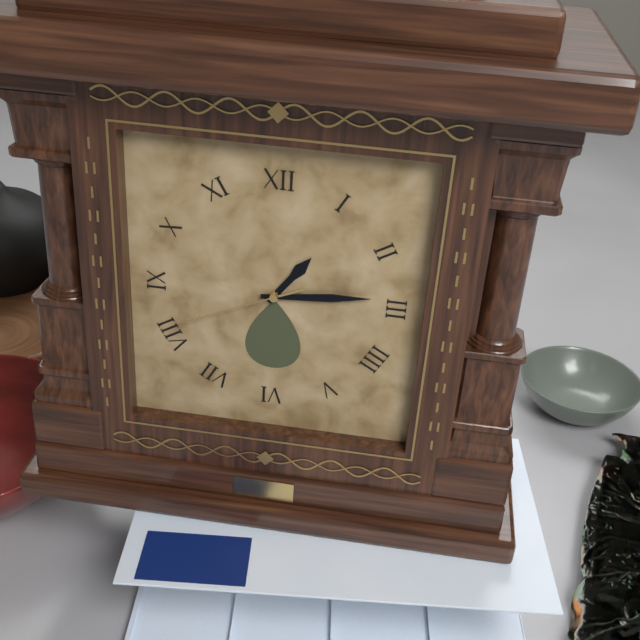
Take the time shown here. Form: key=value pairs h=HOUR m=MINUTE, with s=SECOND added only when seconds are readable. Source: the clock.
h=1 m=14 s=41
